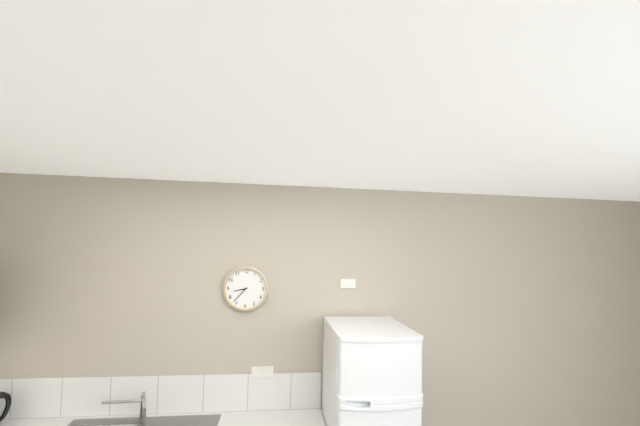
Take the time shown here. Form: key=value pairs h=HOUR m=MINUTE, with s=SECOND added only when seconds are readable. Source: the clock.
h=8 m=37
